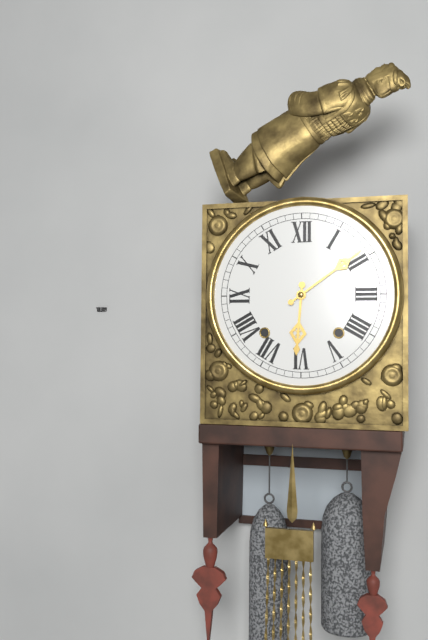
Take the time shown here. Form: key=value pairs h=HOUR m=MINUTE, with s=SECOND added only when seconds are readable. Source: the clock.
h=6 m=9
